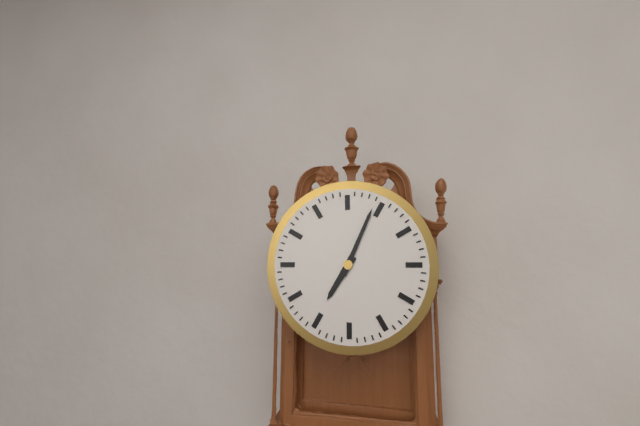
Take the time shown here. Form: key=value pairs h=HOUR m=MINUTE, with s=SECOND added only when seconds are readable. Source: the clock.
h=7 m=4
